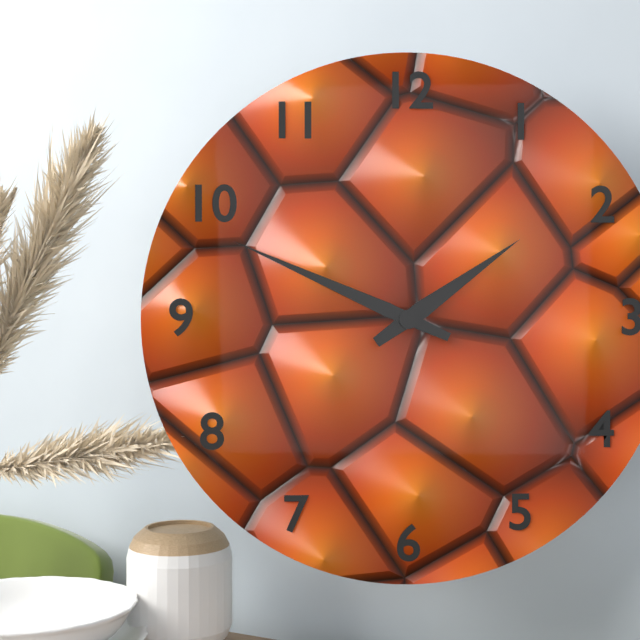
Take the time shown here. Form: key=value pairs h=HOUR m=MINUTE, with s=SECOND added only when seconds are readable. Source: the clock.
h=1 m=49
